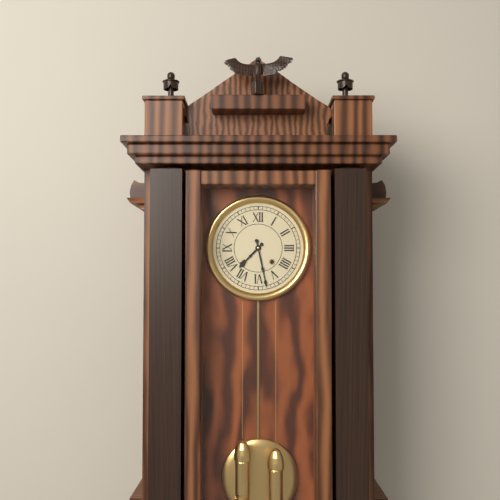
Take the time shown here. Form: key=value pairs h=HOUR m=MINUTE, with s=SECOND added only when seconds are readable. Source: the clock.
h=7 m=28
